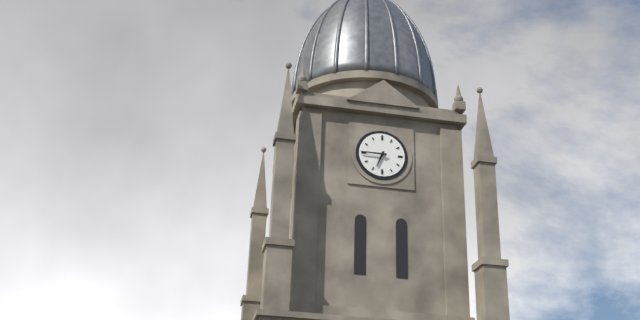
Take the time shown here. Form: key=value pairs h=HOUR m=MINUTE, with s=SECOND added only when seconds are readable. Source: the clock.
h=6 m=45
